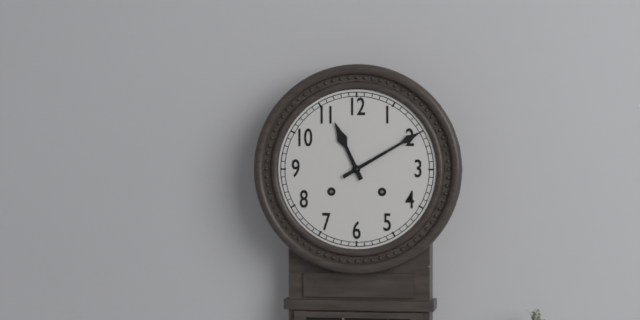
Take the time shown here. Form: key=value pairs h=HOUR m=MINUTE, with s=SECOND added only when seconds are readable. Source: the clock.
h=11 m=10
